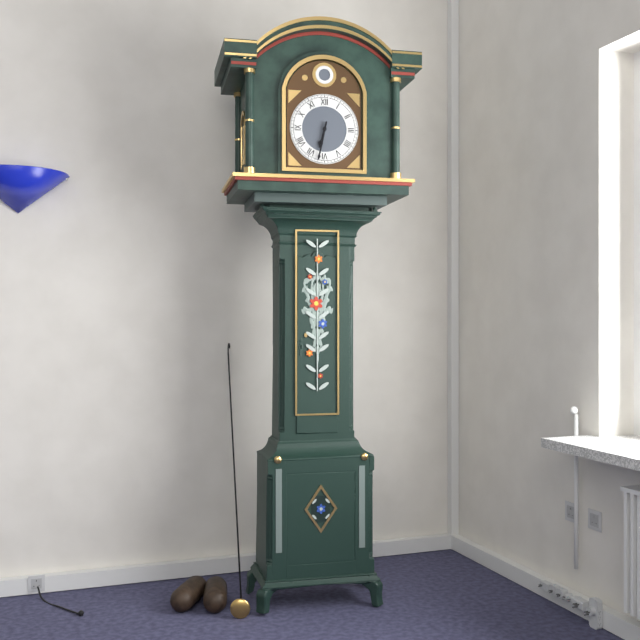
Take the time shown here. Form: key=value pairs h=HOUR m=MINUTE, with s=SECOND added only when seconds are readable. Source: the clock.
h=6 m=32
